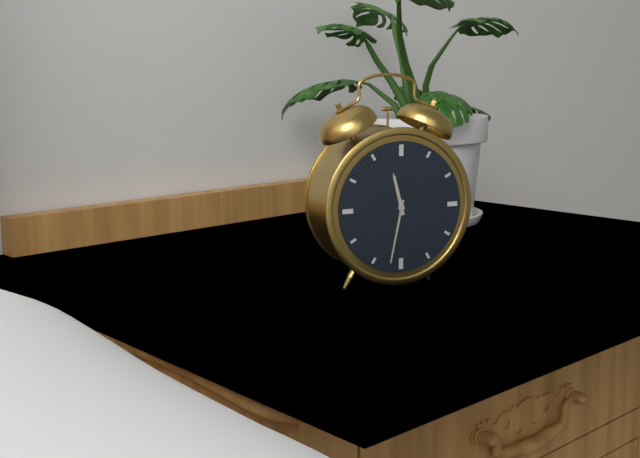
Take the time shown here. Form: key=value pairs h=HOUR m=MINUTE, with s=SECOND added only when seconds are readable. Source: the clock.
h=11 m=32
